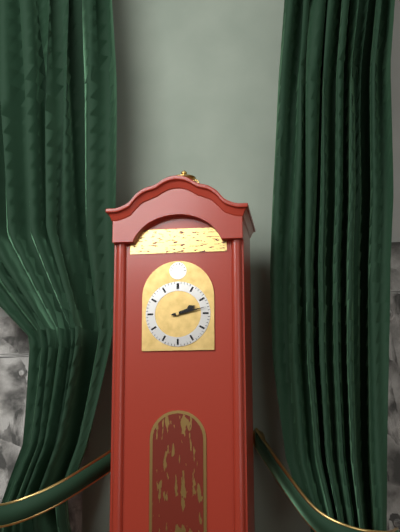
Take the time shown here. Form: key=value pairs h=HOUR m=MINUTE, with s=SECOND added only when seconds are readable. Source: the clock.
h=2 m=13
